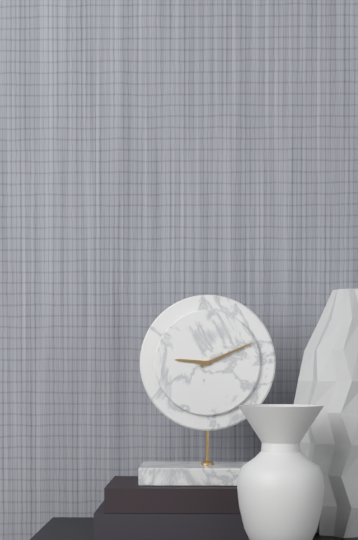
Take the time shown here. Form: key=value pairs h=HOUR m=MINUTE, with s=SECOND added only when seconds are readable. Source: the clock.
h=9 m=11
